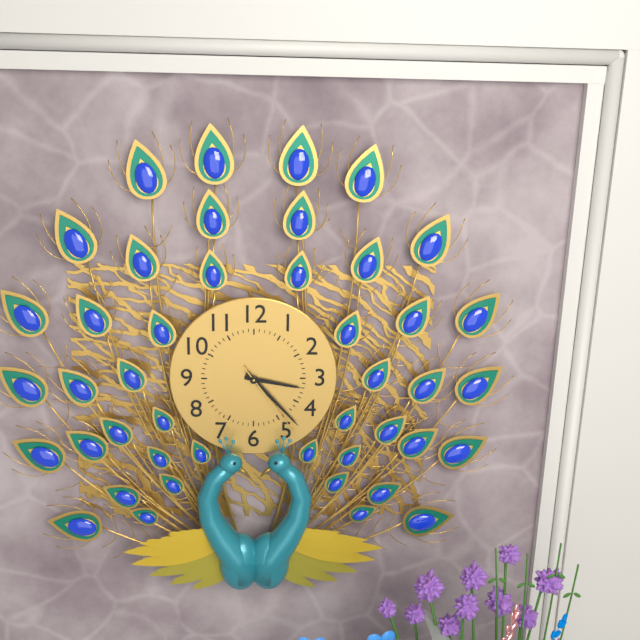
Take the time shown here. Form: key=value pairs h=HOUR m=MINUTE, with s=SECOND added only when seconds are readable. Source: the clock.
h=3 m=23 s=24
